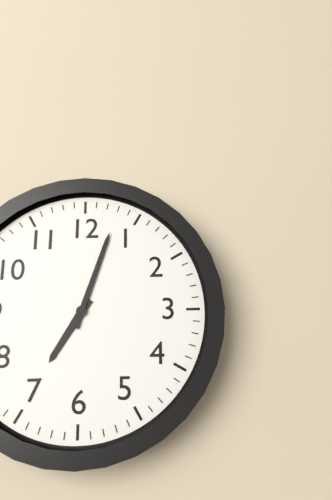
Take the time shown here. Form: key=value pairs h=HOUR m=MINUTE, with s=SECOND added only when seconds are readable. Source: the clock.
h=7 m=3
